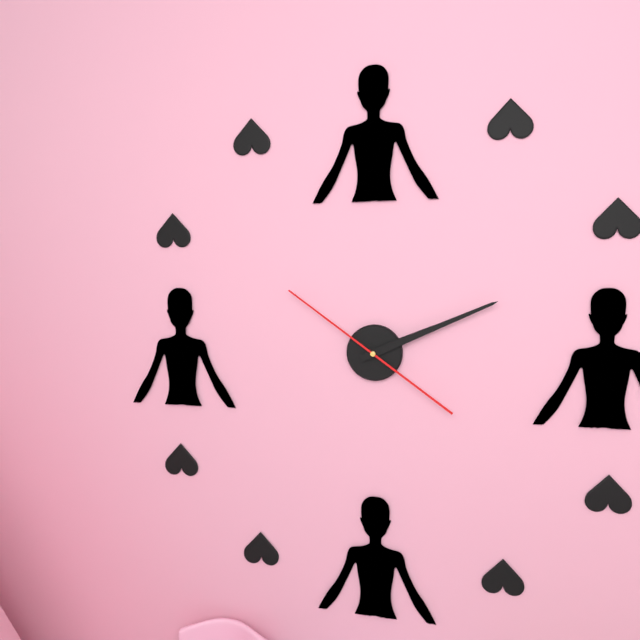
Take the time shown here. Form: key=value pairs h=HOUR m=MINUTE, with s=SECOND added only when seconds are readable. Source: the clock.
h=2 m=11 s=51
